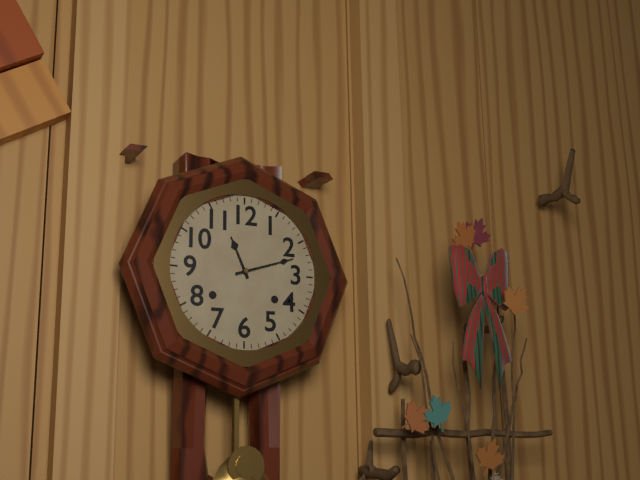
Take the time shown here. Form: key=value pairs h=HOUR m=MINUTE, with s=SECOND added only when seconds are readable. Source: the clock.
h=11 m=12
